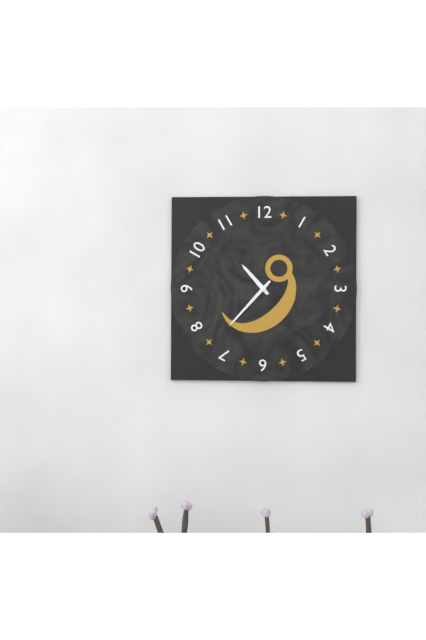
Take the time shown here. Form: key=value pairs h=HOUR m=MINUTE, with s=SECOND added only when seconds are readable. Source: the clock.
h=10 m=37
